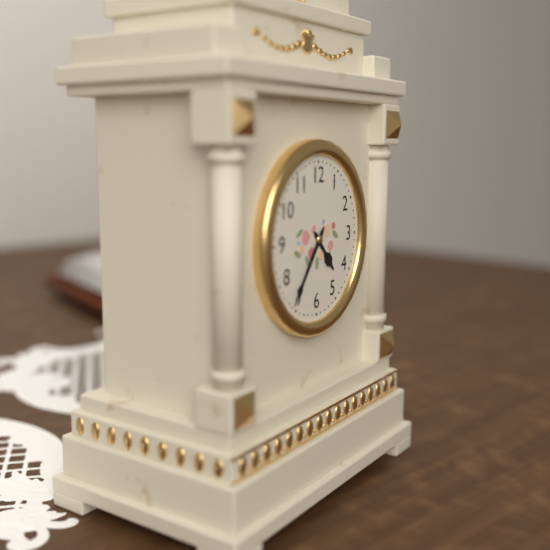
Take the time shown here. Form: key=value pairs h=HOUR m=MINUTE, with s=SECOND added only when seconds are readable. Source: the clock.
h=4 m=36
